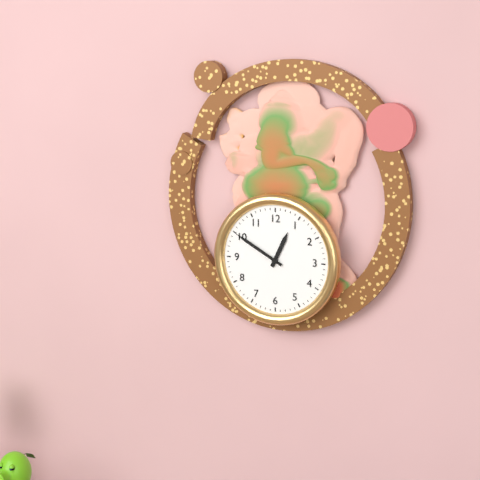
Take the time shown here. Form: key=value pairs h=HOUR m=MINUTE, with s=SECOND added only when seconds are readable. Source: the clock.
h=12 m=50
